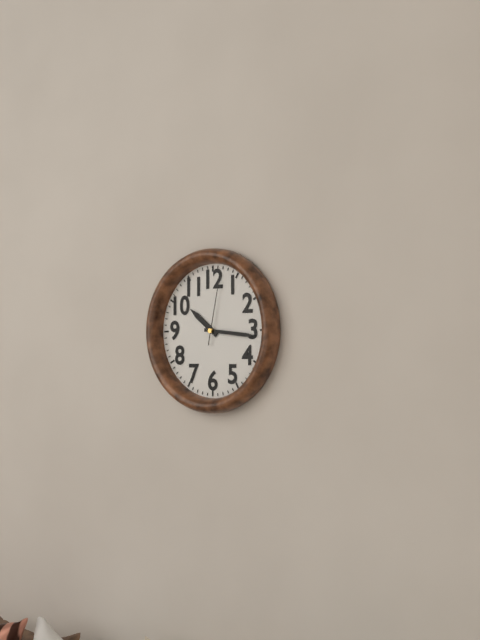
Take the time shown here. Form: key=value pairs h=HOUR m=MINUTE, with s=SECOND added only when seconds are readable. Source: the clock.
h=10 m=16 s=2
